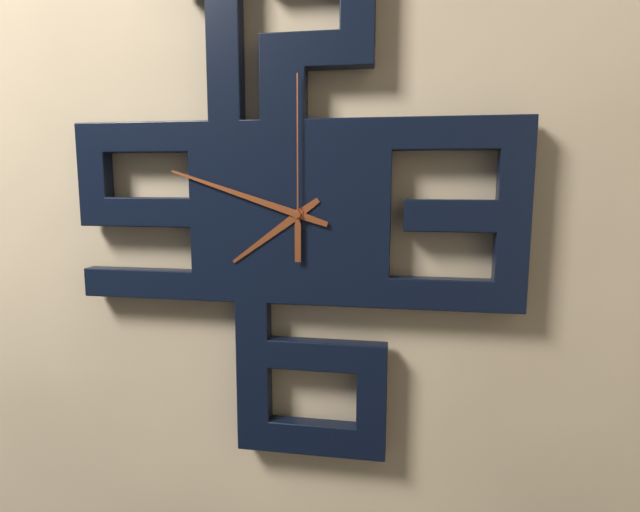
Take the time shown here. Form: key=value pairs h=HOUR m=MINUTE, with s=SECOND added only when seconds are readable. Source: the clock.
h=7 m=48 s=0
